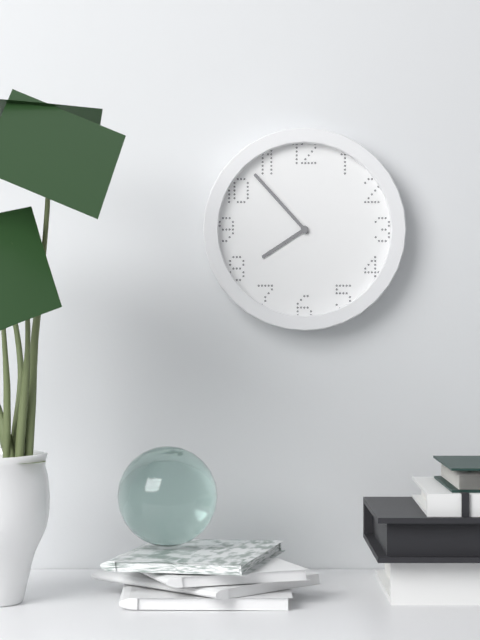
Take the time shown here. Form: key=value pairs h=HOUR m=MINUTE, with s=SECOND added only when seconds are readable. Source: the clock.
h=7 m=53
